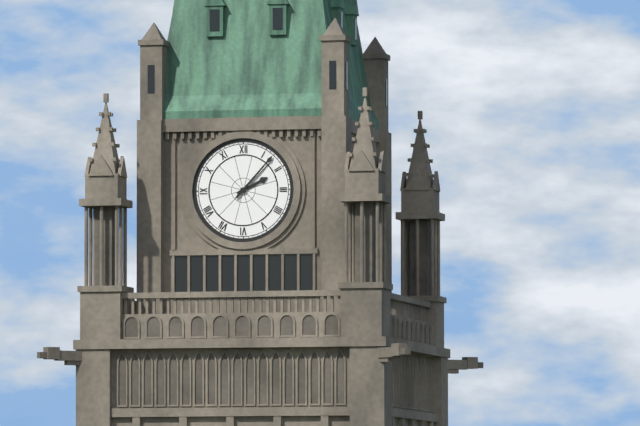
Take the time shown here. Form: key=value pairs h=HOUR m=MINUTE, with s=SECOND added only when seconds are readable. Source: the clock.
h=2 m=7
